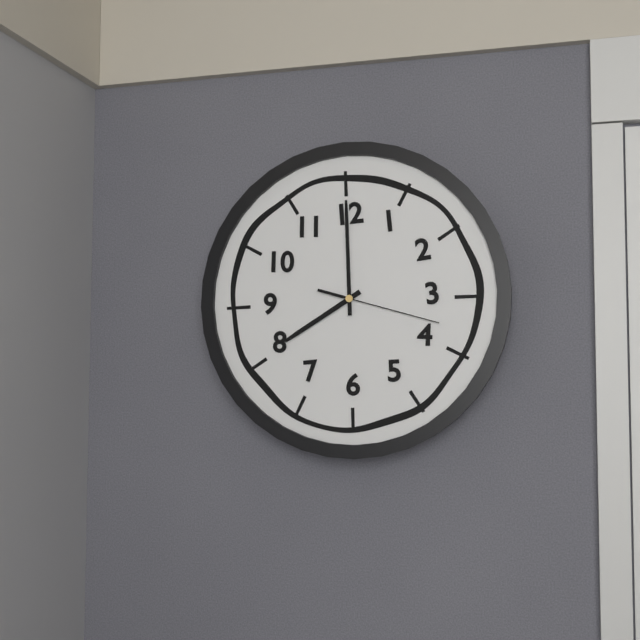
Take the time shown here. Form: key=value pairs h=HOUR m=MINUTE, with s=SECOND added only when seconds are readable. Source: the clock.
h=8 m=0 s=18
